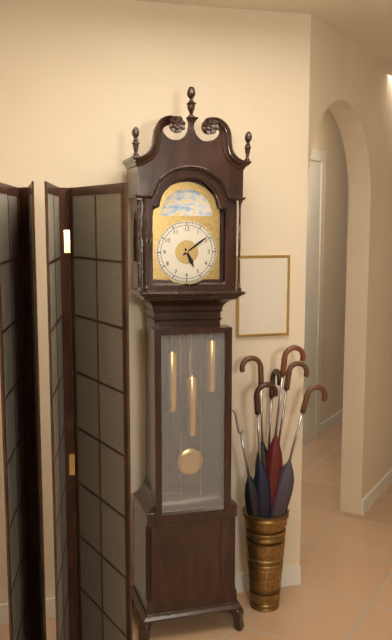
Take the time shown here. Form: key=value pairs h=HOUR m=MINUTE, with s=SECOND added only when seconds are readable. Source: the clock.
h=5 m=9
